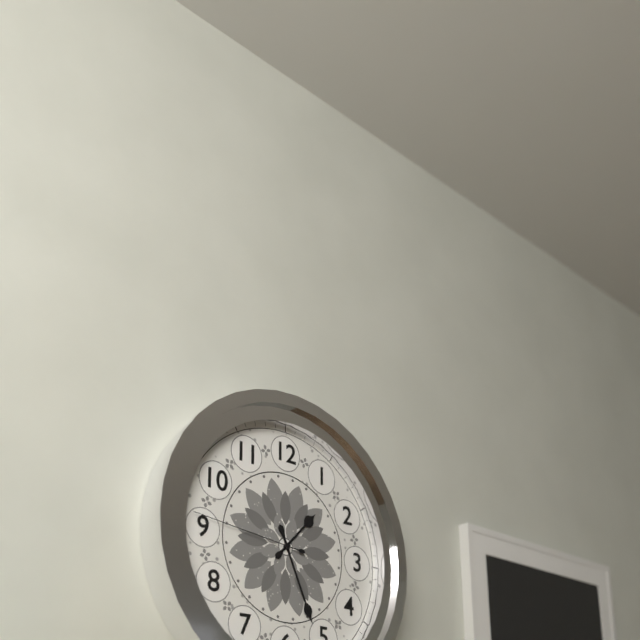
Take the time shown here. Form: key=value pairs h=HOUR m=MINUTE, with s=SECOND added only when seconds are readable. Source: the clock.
h=1 m=26 s=46
